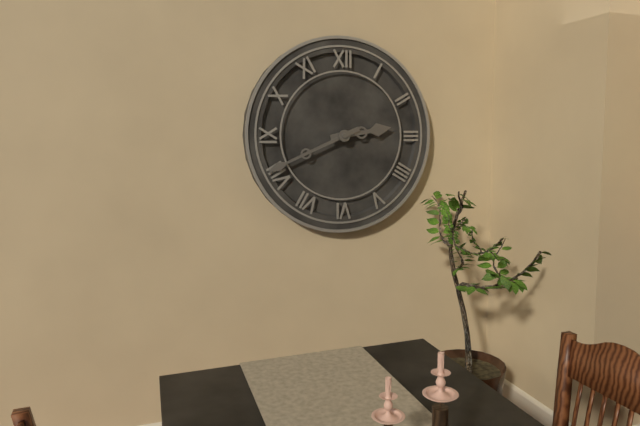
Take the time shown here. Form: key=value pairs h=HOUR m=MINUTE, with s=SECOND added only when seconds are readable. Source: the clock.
h=2 m=41
